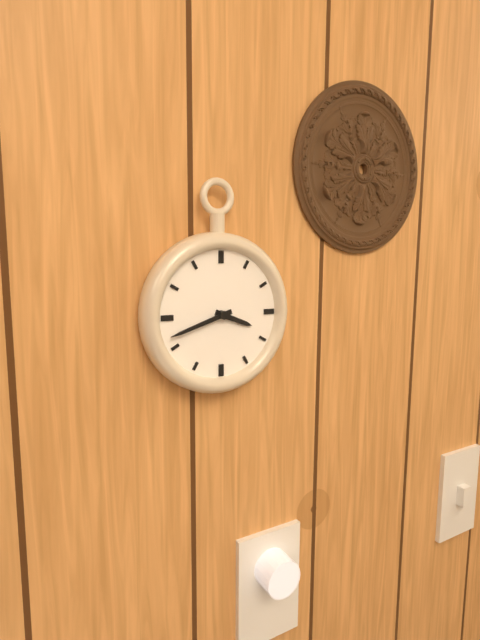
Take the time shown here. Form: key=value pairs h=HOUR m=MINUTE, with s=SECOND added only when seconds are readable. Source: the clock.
h=3 m=42
